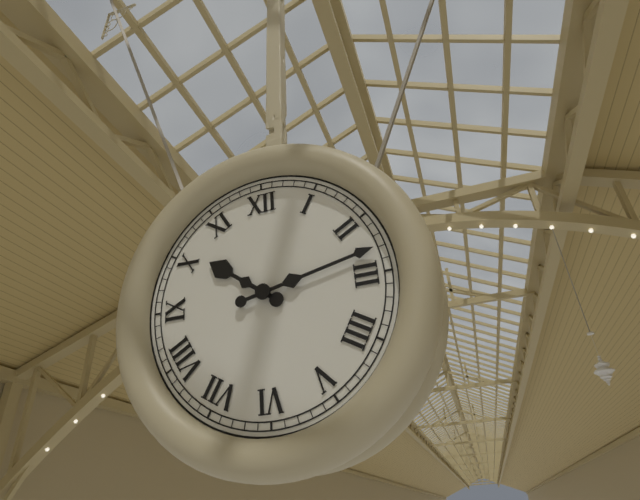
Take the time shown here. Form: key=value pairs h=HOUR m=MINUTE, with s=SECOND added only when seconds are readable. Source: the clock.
h=10 m=13
